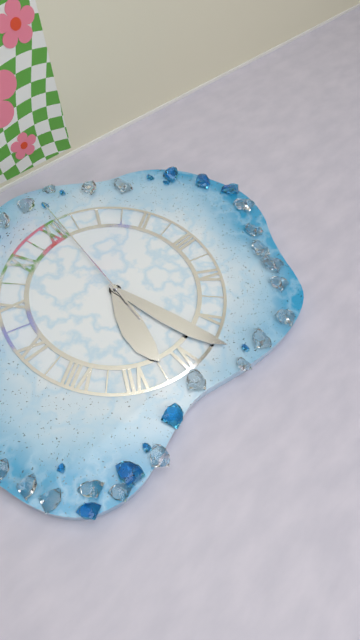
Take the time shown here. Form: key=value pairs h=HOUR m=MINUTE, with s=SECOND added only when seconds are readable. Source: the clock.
h=6 m=27 s=1
